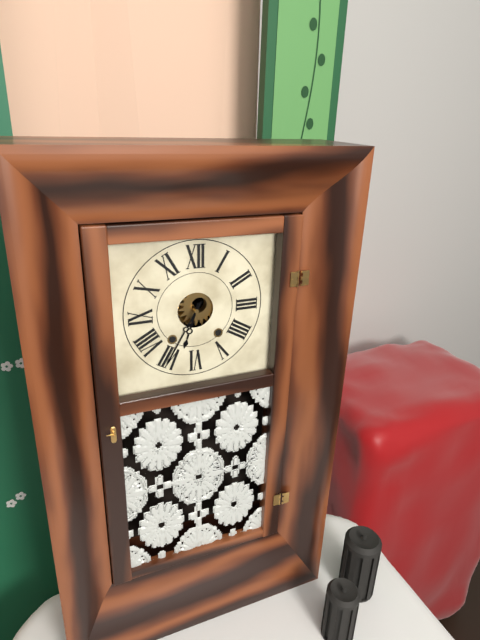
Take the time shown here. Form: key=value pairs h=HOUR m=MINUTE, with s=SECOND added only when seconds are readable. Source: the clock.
h=6 m=35
